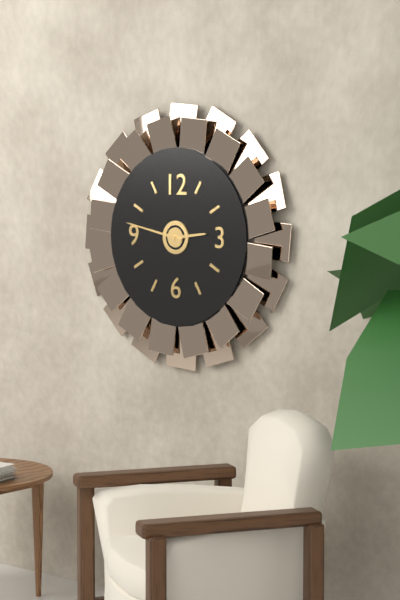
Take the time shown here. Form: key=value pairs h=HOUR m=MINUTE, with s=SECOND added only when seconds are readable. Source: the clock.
h=2 m=47
